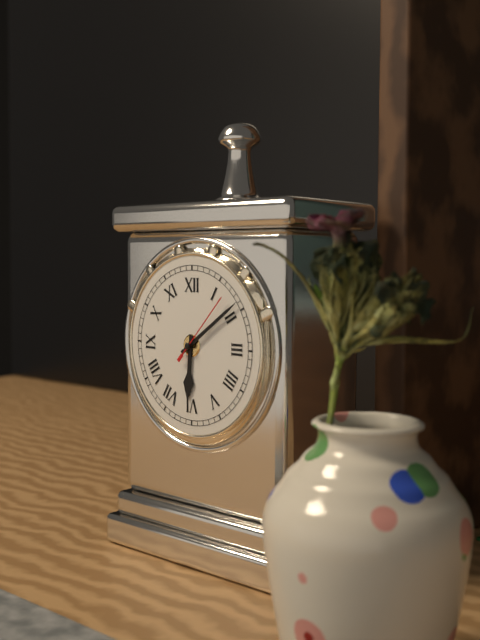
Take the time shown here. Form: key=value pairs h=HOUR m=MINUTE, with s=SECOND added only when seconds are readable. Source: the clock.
h=6 m=9 s=7
